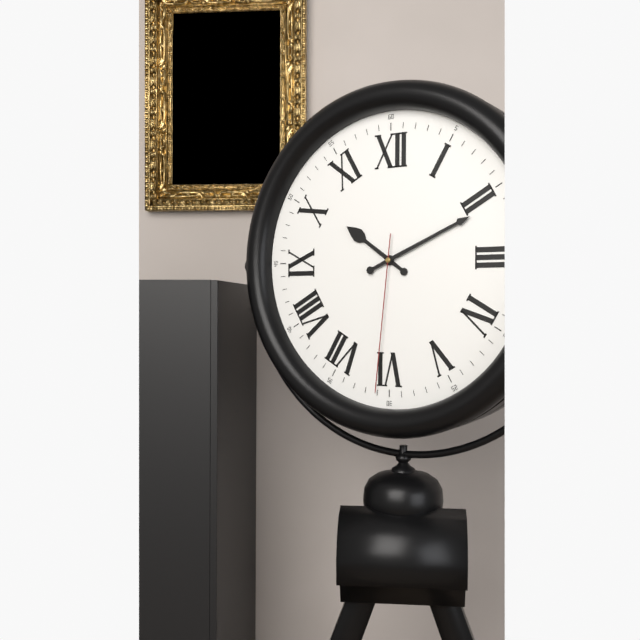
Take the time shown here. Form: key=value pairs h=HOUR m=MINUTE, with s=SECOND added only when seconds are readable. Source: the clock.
h=10 m=11 s=31
